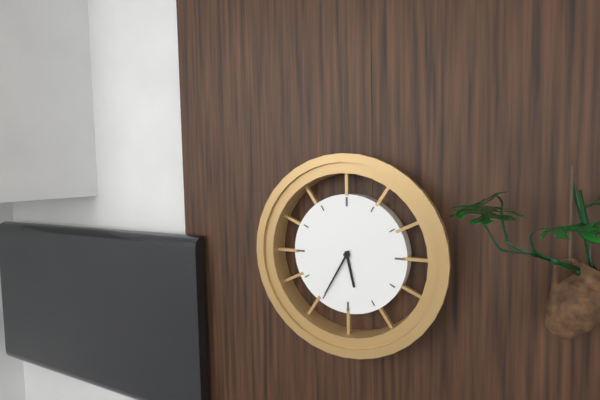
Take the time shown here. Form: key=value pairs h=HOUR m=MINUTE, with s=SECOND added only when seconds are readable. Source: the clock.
h=5 m=35
